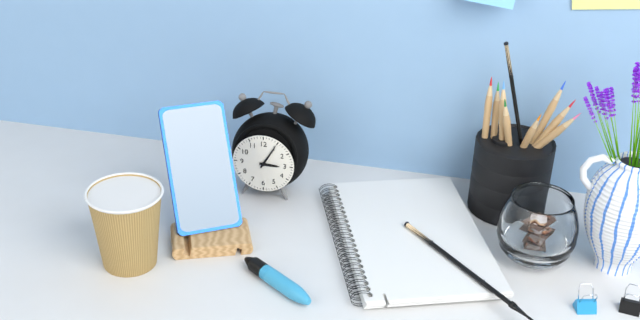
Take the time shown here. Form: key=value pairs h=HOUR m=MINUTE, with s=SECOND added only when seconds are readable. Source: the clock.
h=3 m=5
